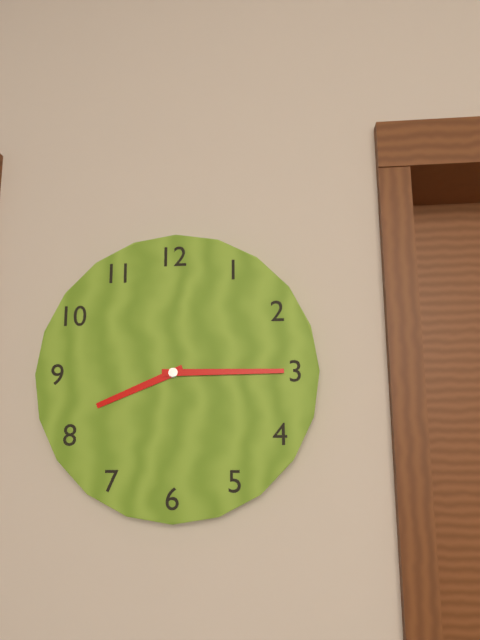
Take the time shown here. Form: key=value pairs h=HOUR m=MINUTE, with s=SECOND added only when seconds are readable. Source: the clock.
h=8 m=15
